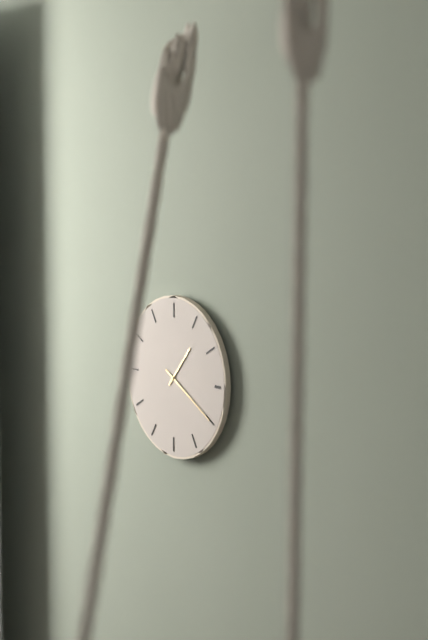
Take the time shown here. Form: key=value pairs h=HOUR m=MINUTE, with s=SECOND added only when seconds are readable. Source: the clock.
h=1 m=20
